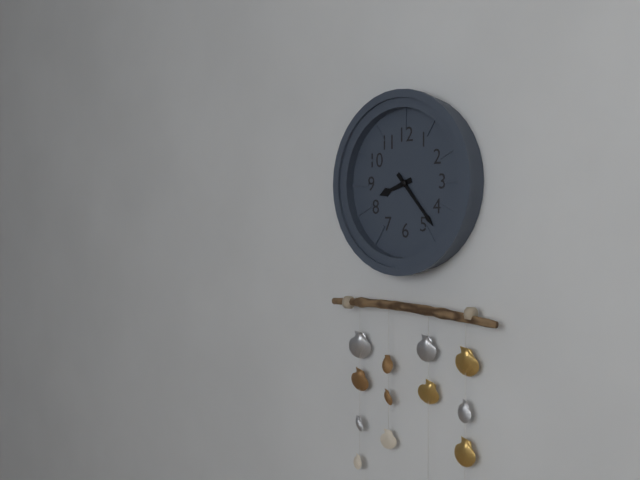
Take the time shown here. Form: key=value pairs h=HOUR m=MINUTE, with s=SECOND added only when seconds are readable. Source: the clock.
h=8 m=23
